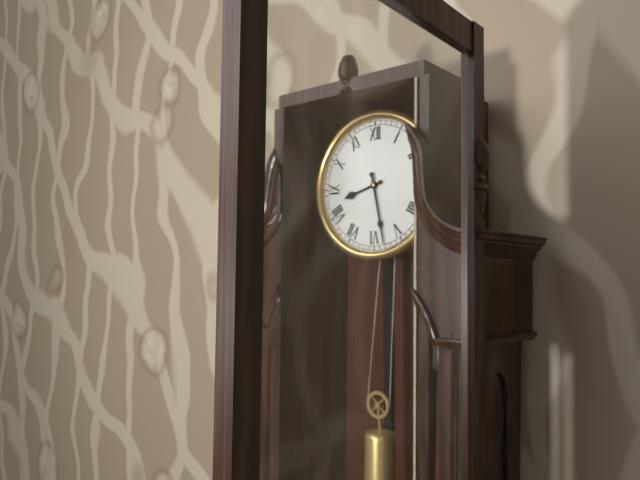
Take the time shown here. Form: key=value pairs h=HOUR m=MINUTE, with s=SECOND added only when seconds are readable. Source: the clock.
h=8 m=28
